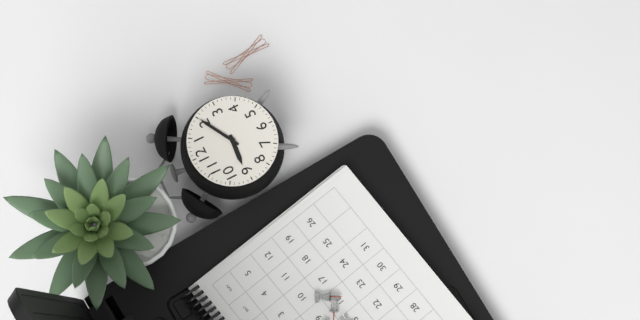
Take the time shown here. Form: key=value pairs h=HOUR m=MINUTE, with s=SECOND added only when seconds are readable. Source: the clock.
h=9 m=10
